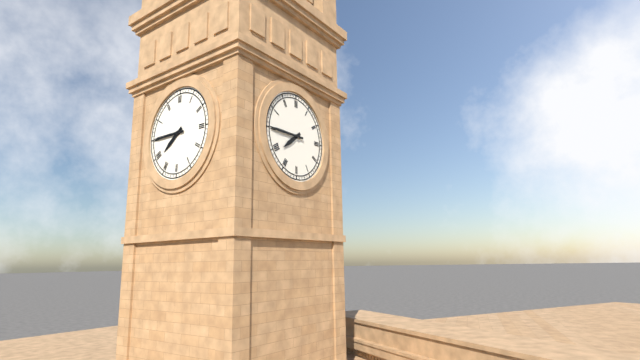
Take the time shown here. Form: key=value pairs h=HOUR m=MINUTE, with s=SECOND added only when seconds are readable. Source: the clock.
h=7 m=45
